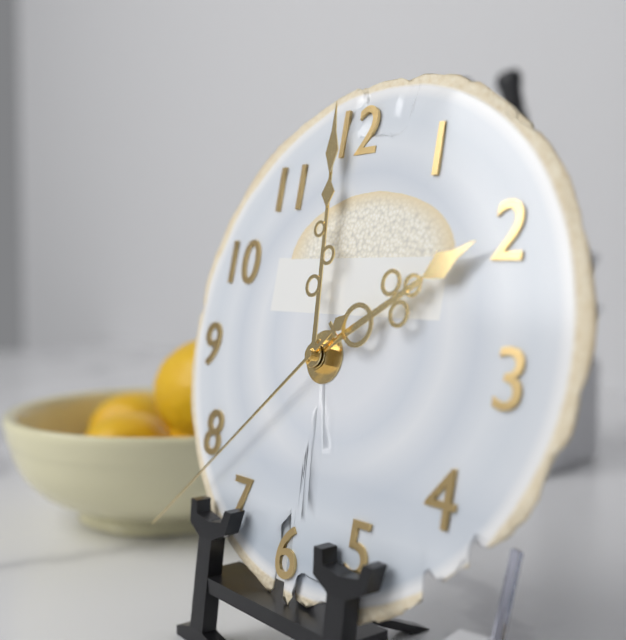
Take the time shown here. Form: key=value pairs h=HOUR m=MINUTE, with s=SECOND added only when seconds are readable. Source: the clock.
h=1 m=59 s=38
